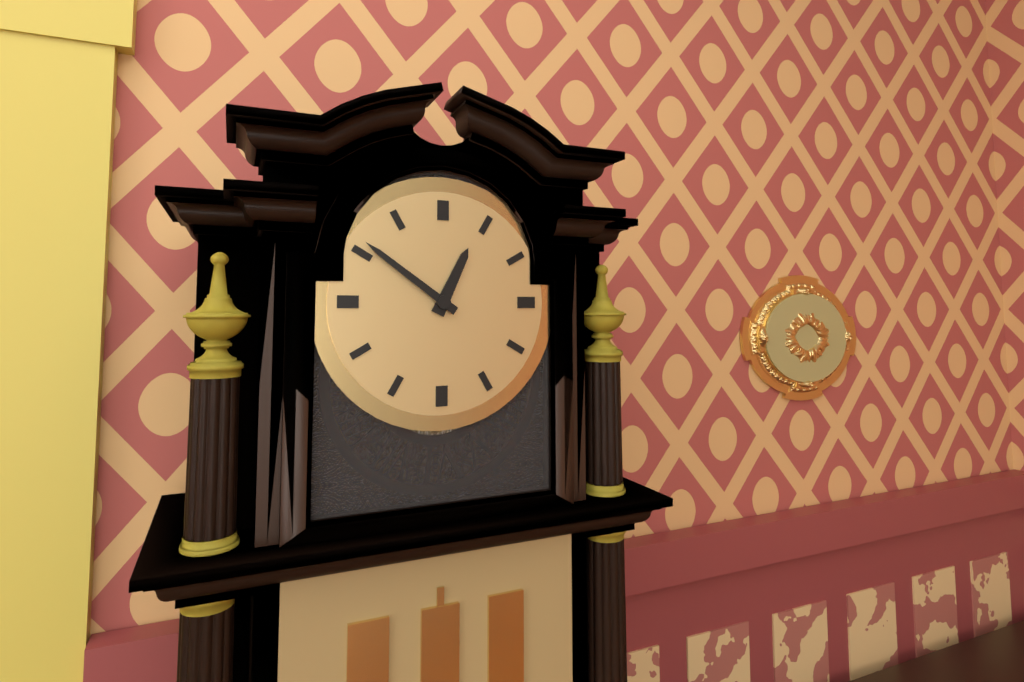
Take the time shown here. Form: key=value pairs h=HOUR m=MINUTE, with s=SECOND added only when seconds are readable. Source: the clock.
h=12 m=51
